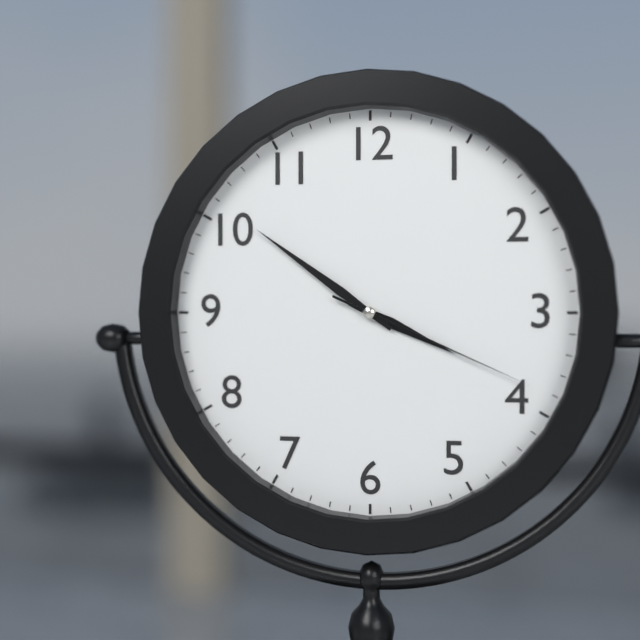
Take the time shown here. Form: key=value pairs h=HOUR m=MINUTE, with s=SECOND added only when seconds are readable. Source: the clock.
h=3 m=51 s=19
